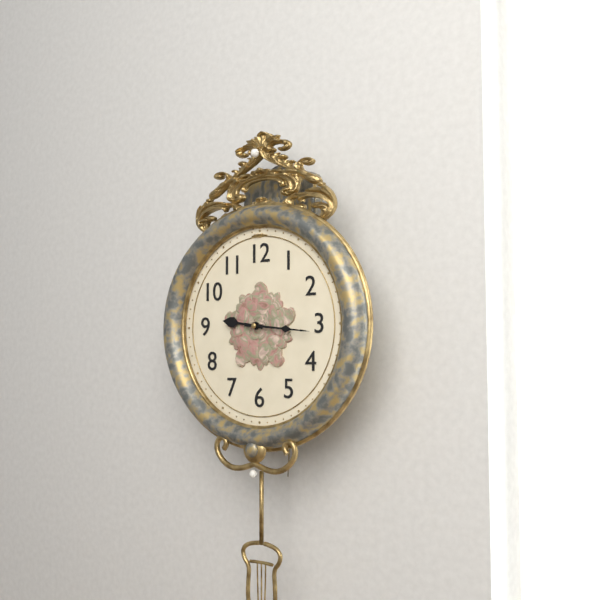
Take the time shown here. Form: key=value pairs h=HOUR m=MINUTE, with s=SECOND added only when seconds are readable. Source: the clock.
h=9 m=16
